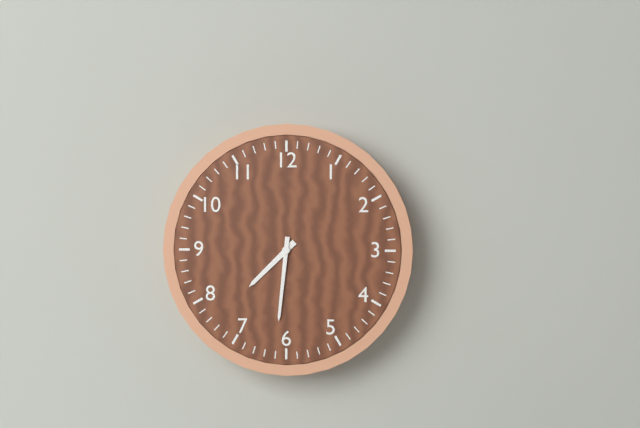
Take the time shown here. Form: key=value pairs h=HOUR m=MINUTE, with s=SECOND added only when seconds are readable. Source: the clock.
h=7 m=31
